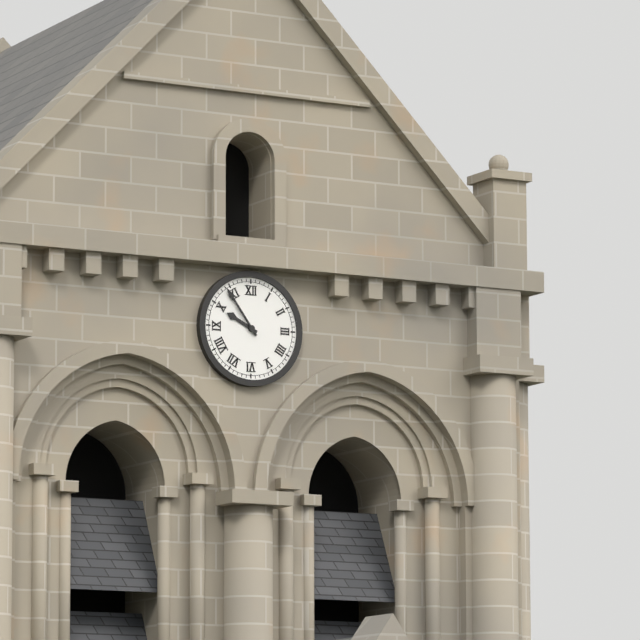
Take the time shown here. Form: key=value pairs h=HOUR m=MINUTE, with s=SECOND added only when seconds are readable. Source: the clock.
h=9 m=54
